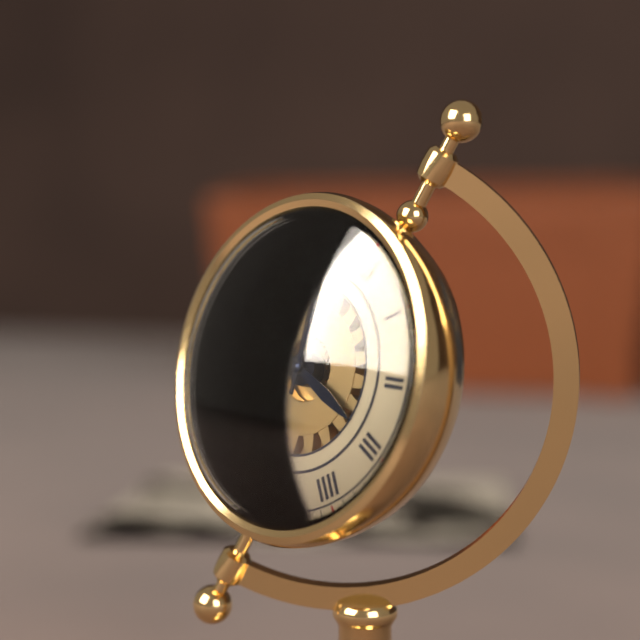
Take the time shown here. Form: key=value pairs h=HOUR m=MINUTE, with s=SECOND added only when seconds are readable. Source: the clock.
h=2 m=56
